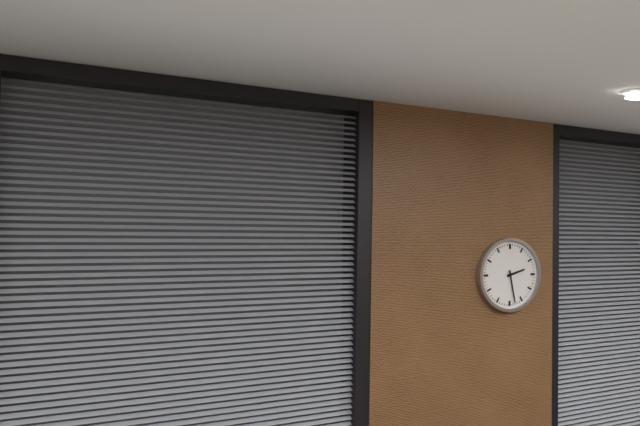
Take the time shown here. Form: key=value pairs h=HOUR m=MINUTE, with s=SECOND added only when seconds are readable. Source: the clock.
h=2 m=28
